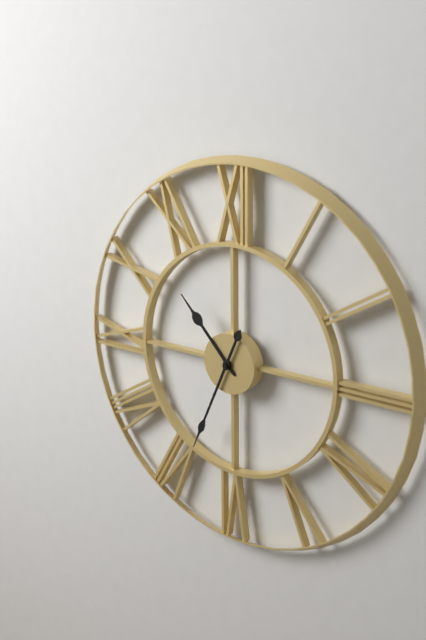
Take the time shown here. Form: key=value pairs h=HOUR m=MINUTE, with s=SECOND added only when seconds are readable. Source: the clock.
h=10 m=34
